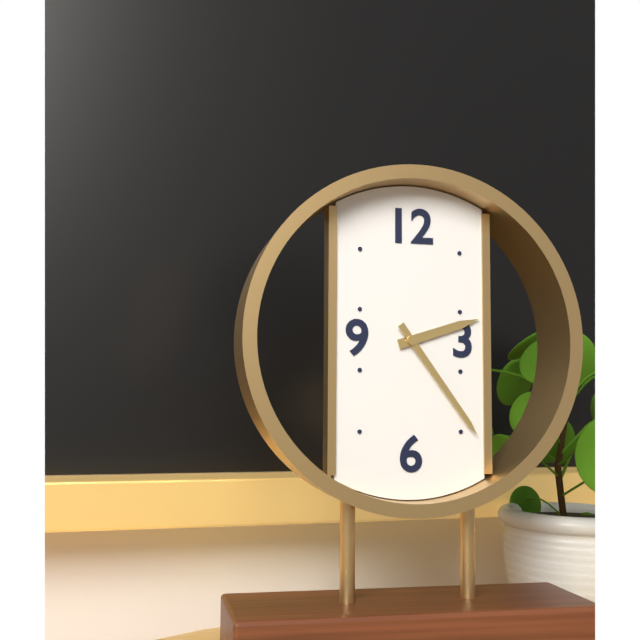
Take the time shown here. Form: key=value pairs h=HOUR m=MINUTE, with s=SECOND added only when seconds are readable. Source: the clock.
h=2 m=24
